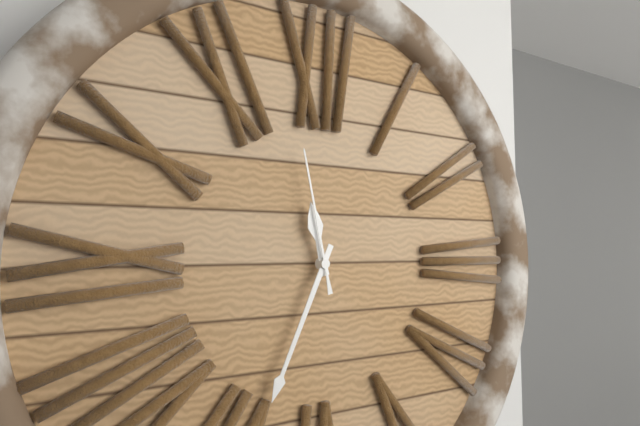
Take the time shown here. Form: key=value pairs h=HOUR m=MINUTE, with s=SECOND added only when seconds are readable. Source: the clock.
h=11 m=34 s=58
